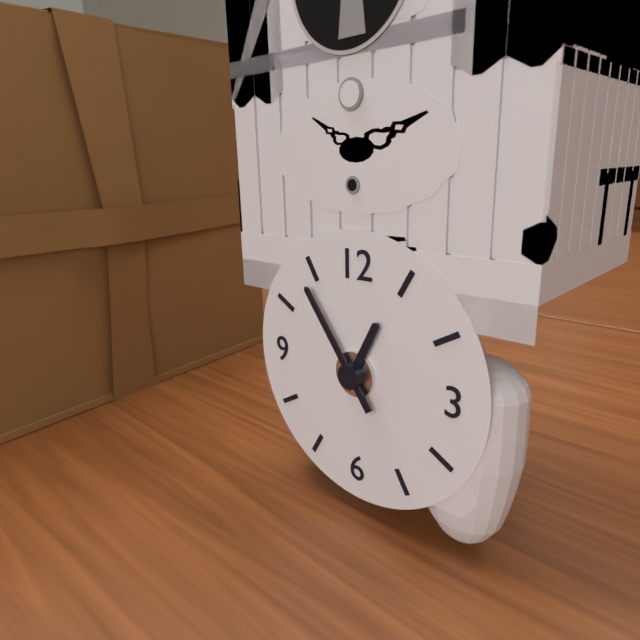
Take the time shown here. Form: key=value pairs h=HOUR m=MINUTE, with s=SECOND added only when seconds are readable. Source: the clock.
h=12 m=54
